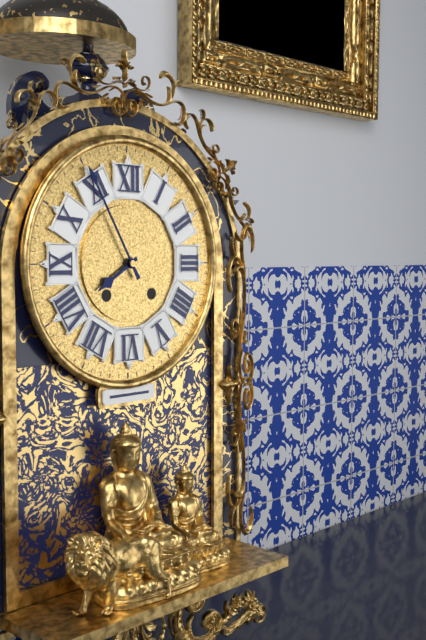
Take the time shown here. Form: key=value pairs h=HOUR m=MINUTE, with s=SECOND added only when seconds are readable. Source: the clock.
h=7 m=55
